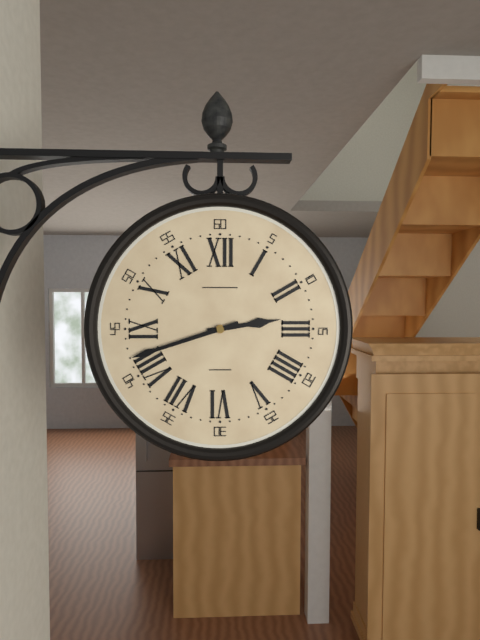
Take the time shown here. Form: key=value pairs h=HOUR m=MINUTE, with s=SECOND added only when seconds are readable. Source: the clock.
h=2 m=42
